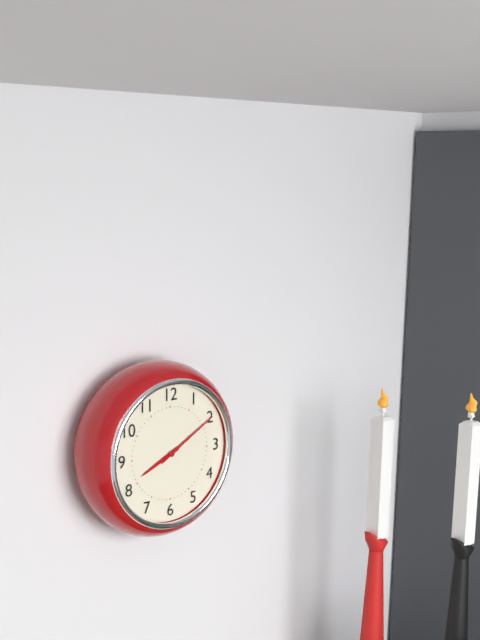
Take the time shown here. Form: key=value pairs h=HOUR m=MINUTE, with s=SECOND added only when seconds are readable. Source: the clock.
h=8 m=10
